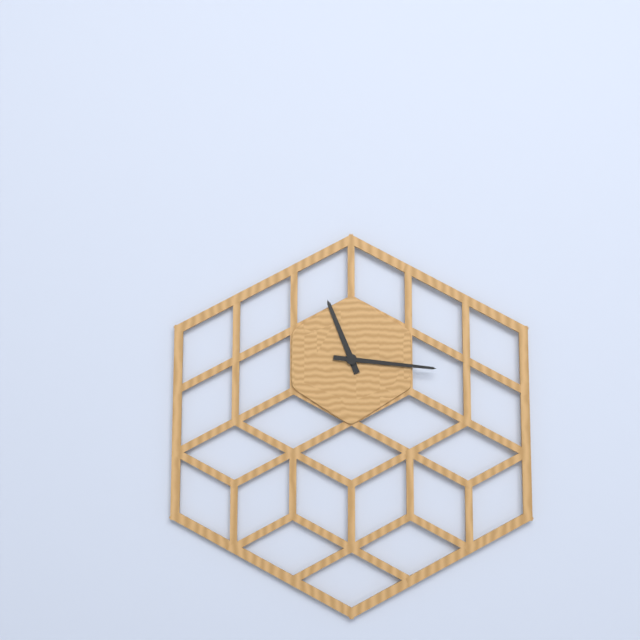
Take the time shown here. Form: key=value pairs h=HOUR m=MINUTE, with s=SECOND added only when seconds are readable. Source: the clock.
h=11 m=16
